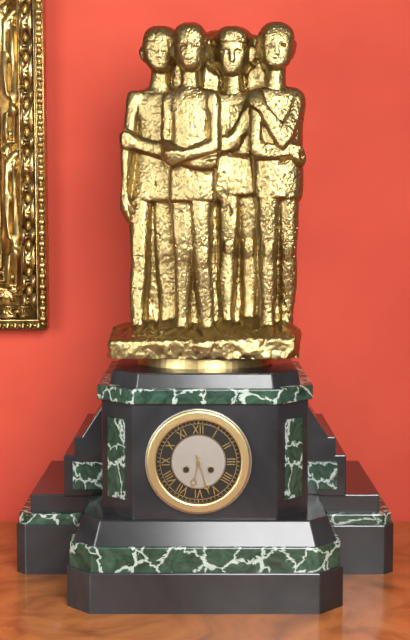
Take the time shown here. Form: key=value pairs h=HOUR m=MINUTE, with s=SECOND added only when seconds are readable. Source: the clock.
h=6 m=27
